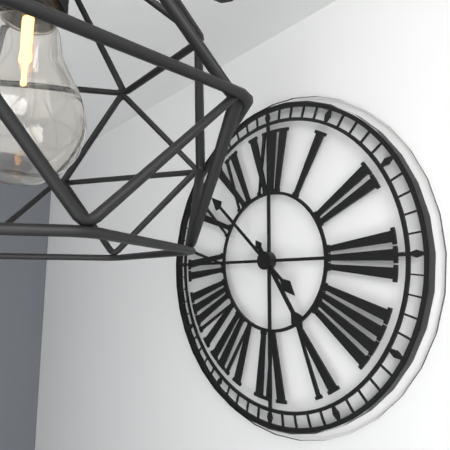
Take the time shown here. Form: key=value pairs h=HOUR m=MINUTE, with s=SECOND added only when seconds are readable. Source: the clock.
h=4 m=52
